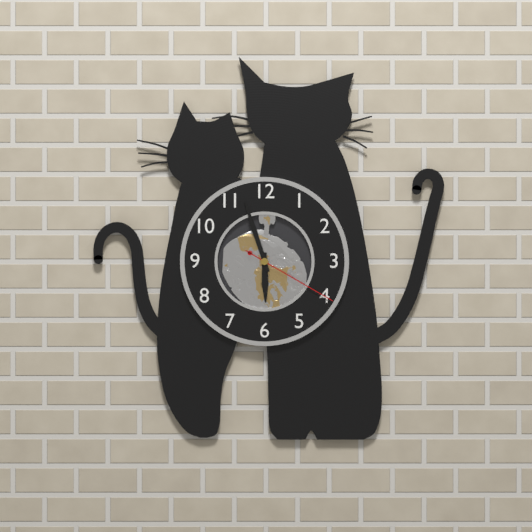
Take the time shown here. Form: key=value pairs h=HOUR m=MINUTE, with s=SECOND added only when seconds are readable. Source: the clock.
h=5 m=57 s=20
